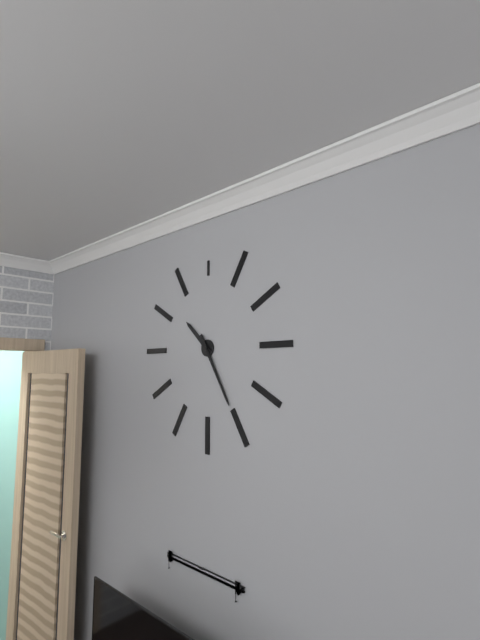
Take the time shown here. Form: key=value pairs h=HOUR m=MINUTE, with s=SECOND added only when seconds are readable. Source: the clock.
h=10 m=25
